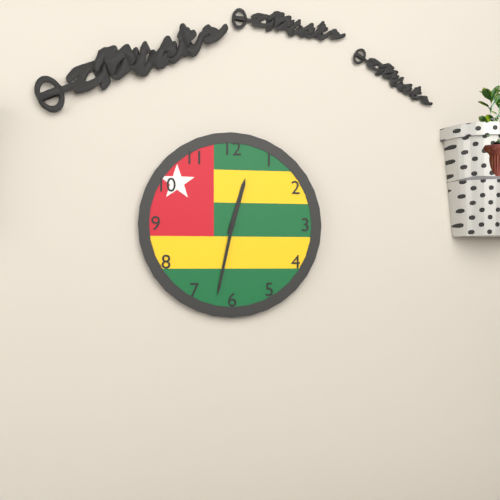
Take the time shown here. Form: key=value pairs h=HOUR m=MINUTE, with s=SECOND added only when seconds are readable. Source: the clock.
h=12 m=32
